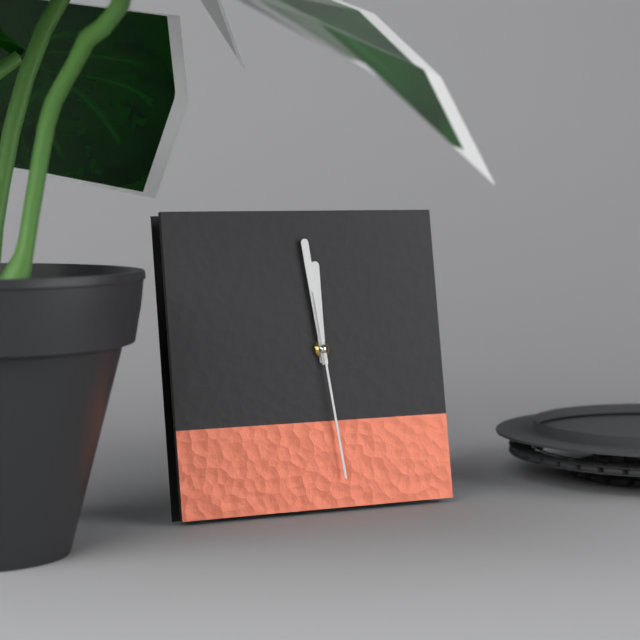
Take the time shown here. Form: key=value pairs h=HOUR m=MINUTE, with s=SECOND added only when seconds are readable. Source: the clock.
h=11 m=59 s=29
